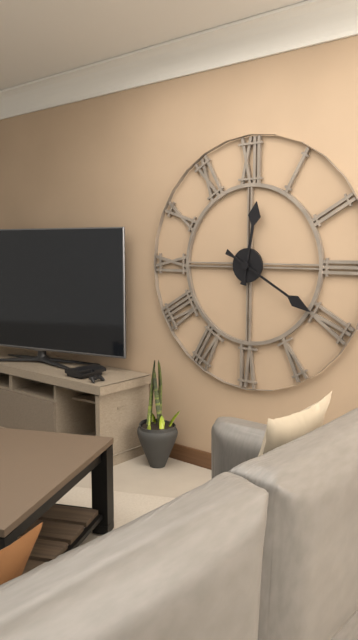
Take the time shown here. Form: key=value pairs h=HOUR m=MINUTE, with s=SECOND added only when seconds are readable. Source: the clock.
h=12 m=20
